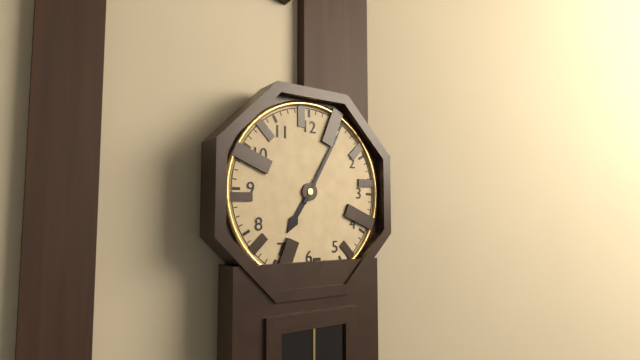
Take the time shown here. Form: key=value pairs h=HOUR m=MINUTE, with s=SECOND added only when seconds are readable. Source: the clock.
h=7 m=5
